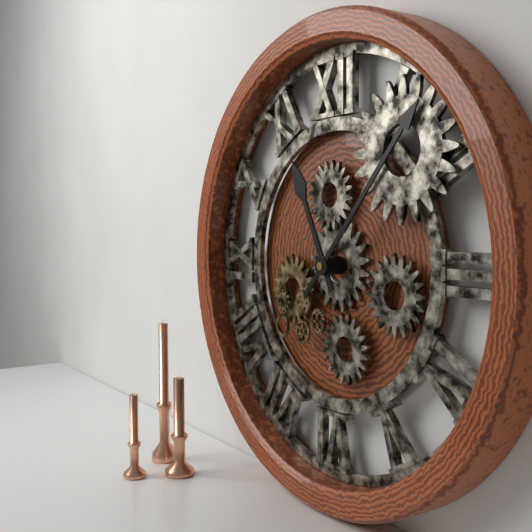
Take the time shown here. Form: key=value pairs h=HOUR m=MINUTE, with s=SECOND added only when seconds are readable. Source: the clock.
h=11 m=7
